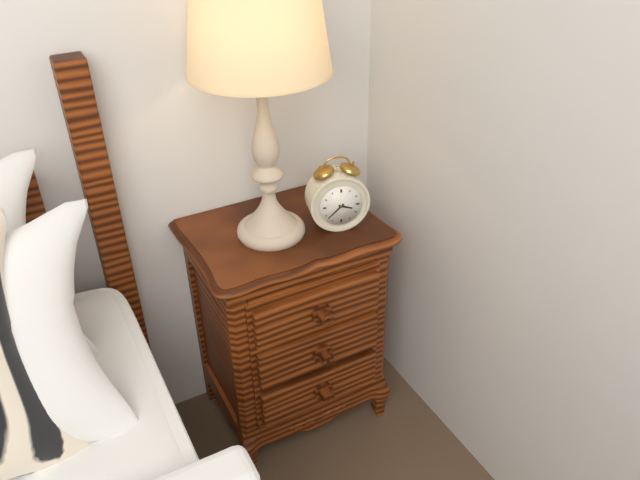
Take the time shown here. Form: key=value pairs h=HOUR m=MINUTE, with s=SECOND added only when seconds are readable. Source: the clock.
h=3 m=38
